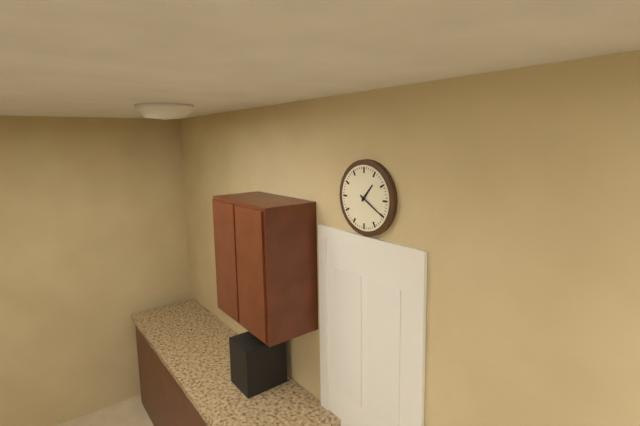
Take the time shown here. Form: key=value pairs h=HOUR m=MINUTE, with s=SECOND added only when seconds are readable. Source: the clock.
h=1 m=20
